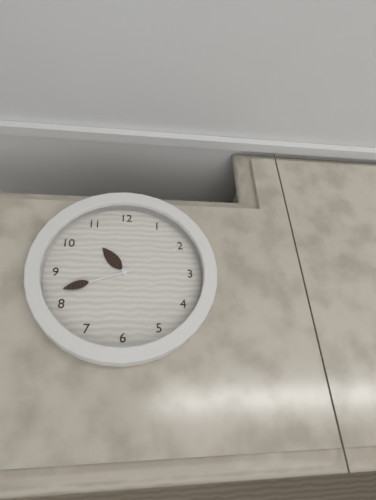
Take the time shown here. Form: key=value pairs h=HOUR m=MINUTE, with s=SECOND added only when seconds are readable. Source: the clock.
h=10 m=42
